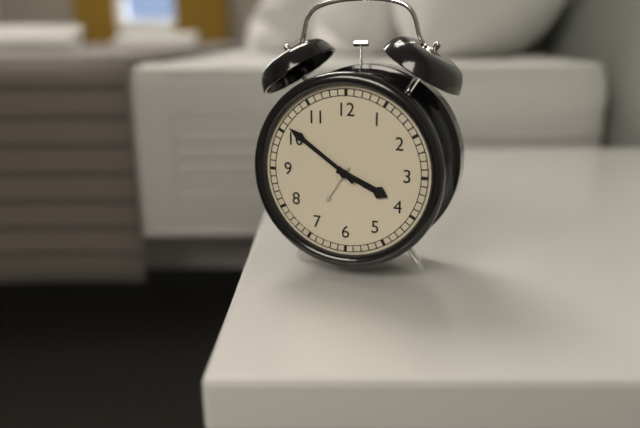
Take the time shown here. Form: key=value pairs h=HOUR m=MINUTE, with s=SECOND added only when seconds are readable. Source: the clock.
h=3 m=51
